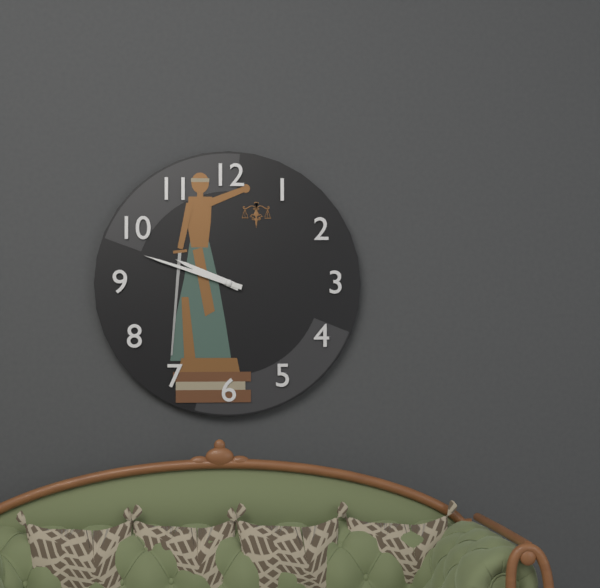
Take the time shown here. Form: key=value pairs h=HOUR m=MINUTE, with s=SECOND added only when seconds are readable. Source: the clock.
h=9 m=48
